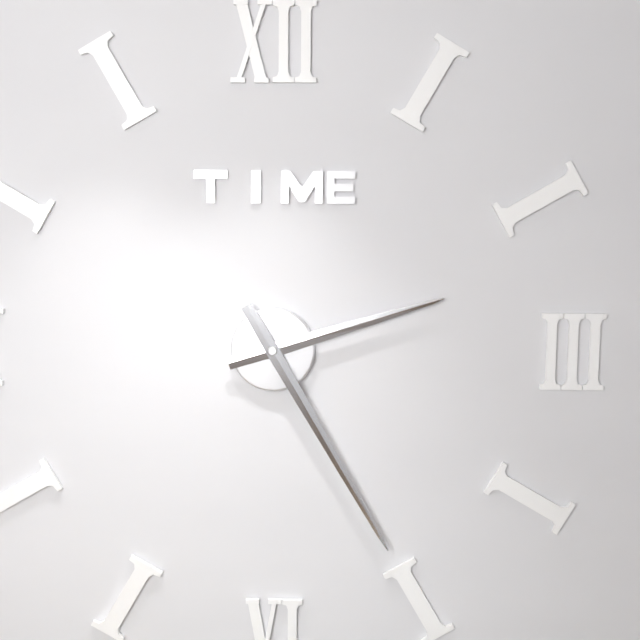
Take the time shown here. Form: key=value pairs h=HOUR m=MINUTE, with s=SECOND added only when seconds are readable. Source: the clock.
h=2 m=25
